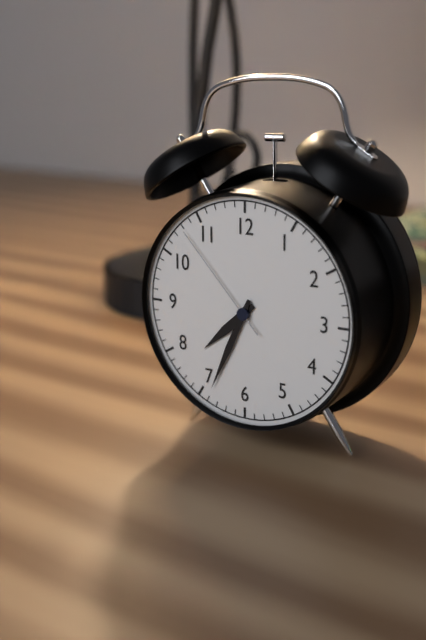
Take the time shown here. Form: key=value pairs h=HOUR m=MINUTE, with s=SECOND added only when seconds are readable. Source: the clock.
h=7 m=34 s=53
